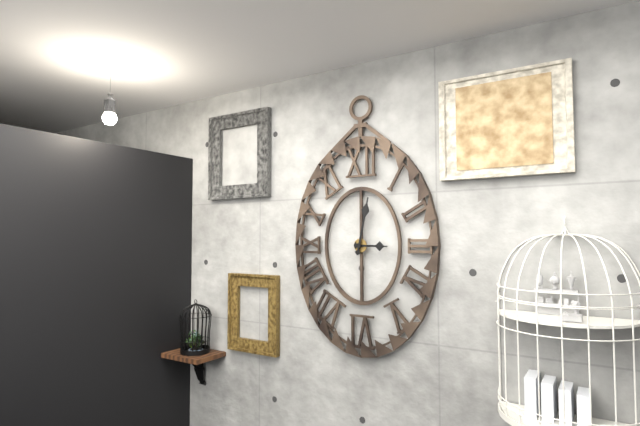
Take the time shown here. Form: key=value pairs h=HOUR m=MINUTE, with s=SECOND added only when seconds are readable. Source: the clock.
h=3 m=2
